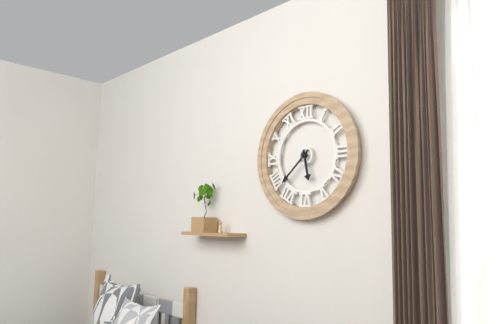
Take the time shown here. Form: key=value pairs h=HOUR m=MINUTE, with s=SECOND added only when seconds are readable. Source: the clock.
h=5 m=38
